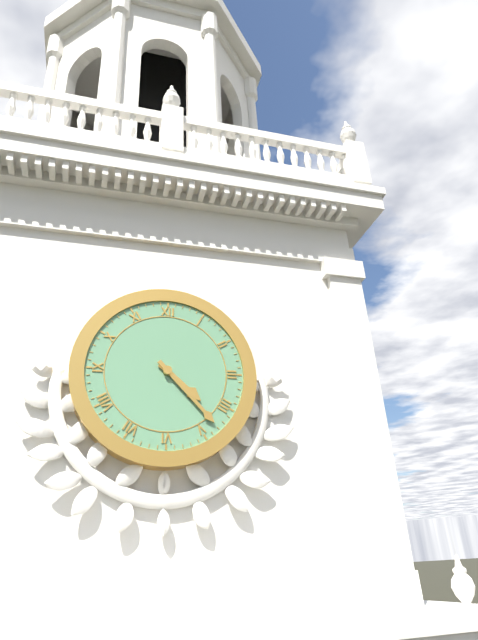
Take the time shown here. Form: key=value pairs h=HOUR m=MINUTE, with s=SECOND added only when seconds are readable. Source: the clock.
h=4 m=23
